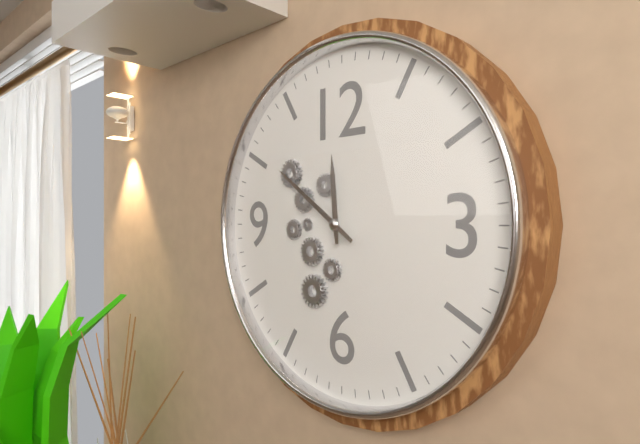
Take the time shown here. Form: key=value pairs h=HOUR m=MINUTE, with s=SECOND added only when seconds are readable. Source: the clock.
h=11 m=51
